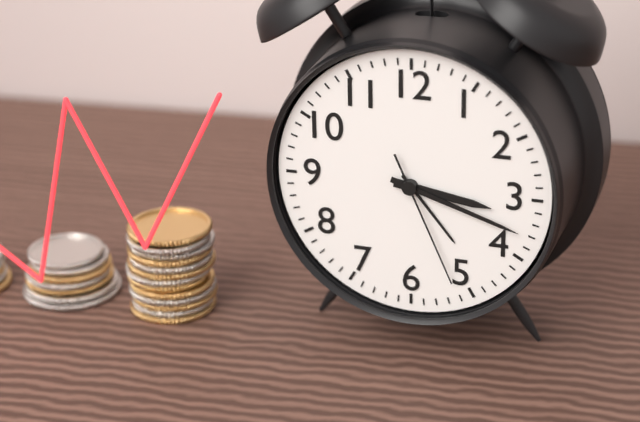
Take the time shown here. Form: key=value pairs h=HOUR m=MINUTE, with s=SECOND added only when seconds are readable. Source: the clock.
h=3 m=18 s=26
